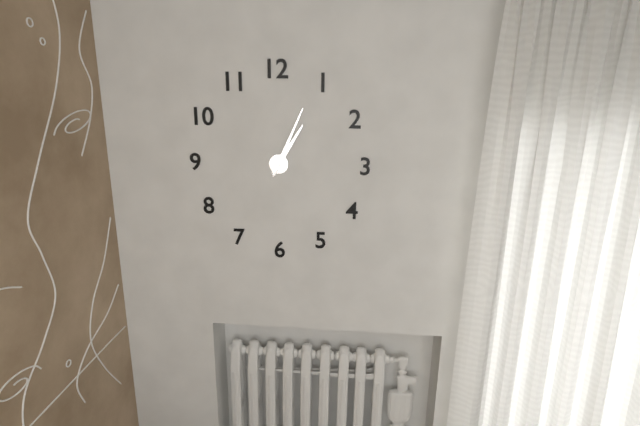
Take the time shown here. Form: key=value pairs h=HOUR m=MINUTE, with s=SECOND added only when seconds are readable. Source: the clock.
h=1 m=4
